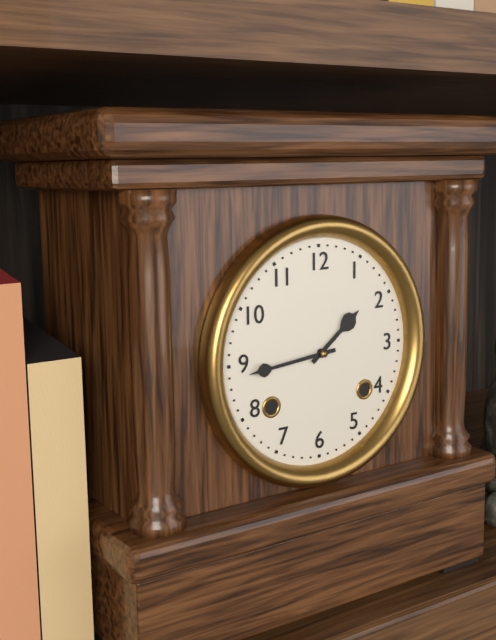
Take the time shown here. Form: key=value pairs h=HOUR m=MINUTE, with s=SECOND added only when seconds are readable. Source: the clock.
h=1 m=44
